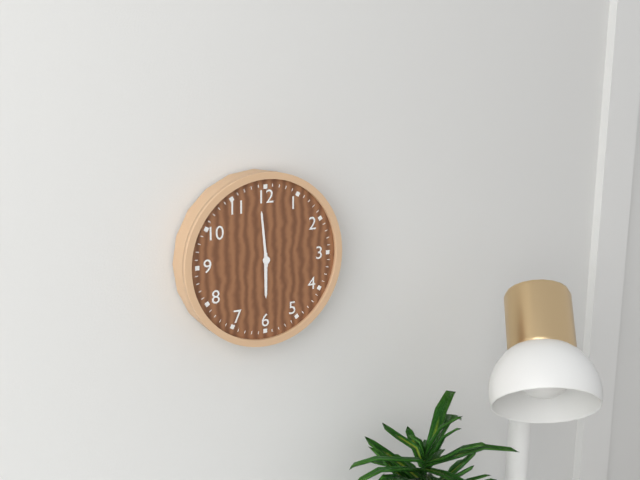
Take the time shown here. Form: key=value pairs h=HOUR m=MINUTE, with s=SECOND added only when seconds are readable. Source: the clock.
h=5 m=59
